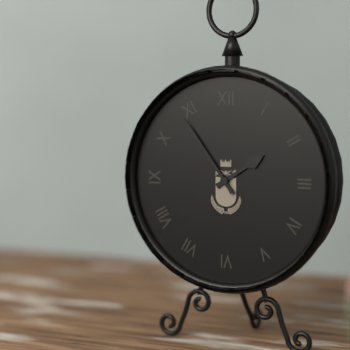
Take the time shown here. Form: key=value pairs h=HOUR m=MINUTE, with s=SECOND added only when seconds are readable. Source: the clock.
h=1 m=54
